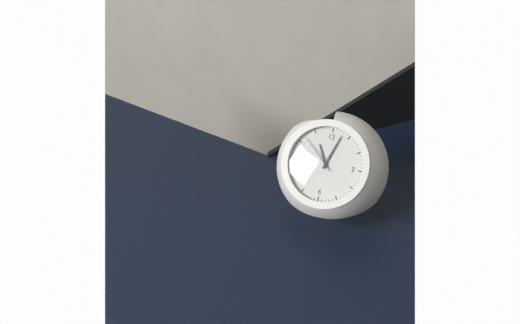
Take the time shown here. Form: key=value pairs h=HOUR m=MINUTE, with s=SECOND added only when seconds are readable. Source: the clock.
h=11 m=3
